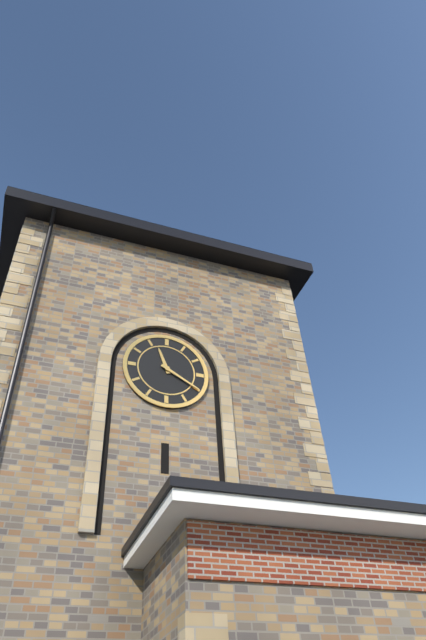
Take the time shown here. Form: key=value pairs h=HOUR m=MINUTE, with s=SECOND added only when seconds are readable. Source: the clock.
h=11 m=20
